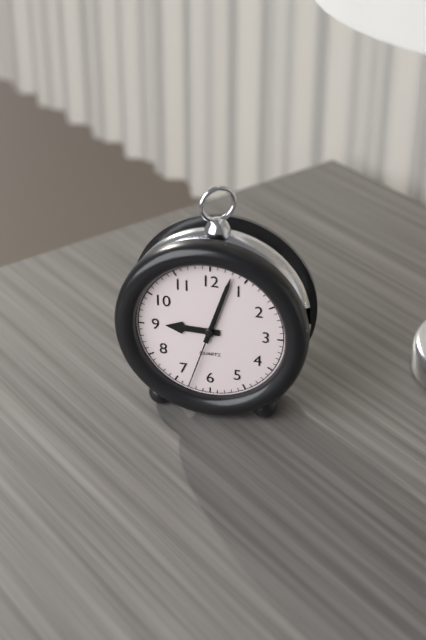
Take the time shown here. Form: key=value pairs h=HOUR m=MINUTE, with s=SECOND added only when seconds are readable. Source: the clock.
h=9 m=3 s=33
